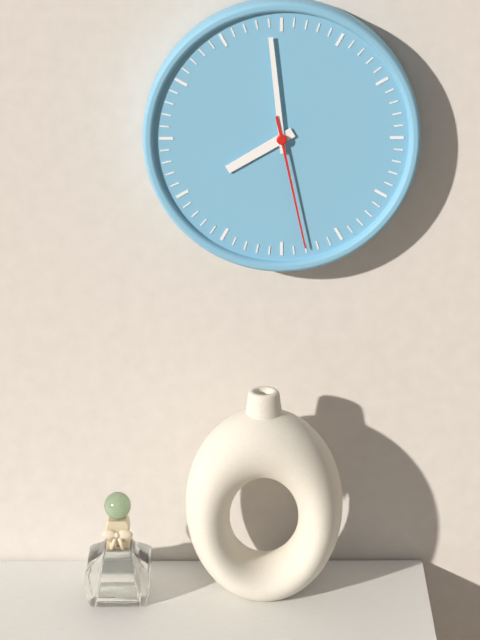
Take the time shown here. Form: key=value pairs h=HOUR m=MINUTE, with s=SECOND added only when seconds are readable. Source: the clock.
h=7 m=59 s=28
